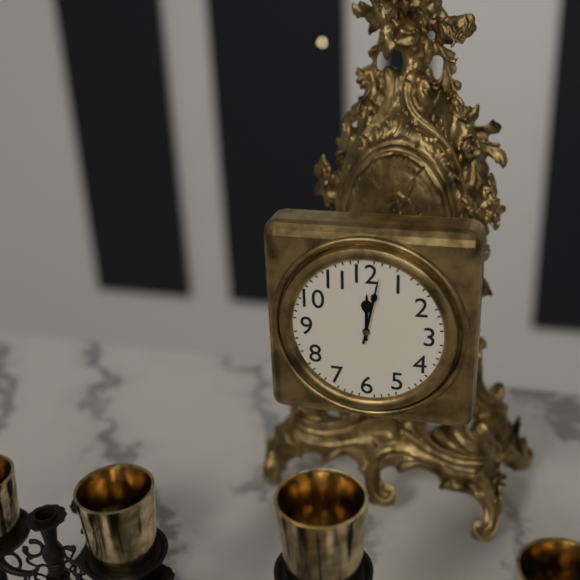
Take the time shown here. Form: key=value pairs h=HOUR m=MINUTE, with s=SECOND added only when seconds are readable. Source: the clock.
h=12 m=2
